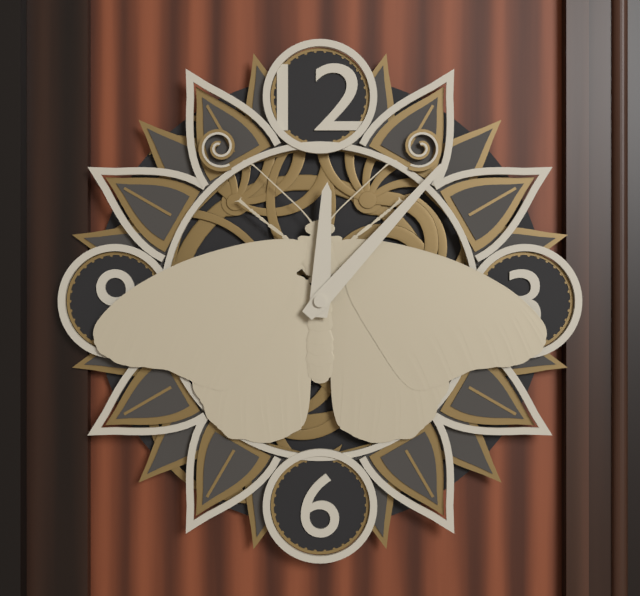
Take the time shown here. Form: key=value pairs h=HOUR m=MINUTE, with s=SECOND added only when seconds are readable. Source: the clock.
h=12 m=7
